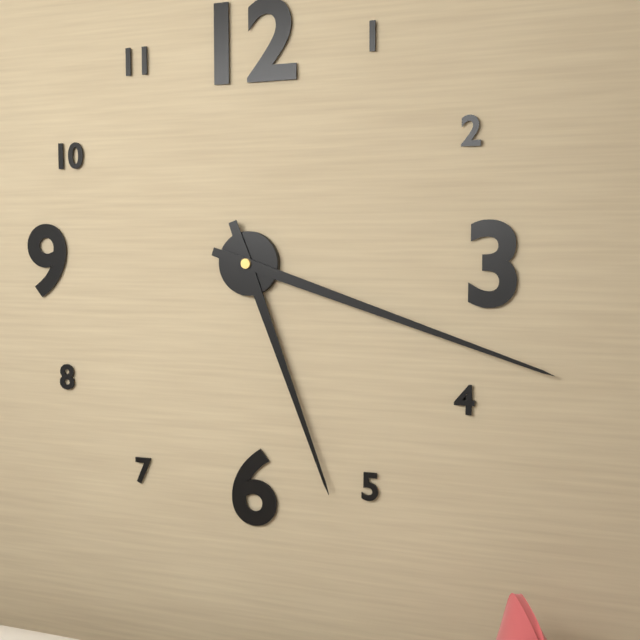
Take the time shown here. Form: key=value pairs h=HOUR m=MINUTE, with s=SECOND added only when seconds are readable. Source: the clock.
h=5 m=18
